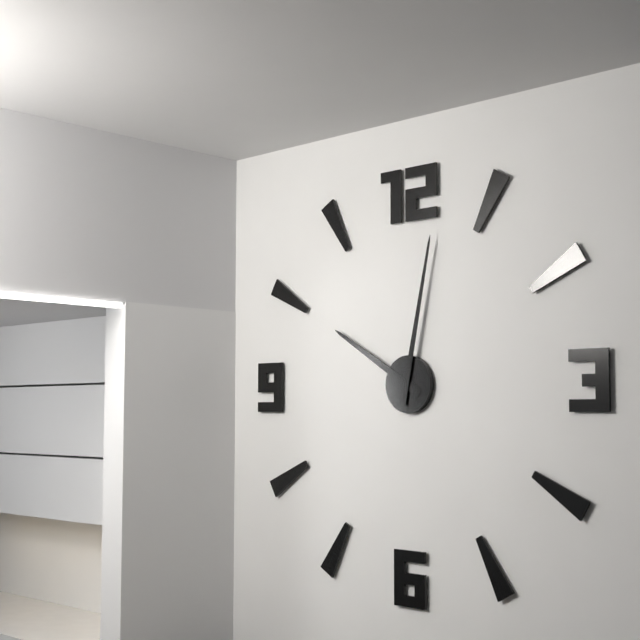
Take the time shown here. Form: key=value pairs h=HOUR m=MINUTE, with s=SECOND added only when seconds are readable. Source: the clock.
h=10 m=2
